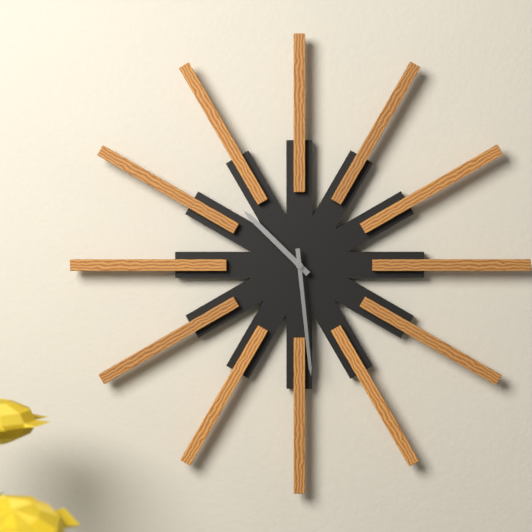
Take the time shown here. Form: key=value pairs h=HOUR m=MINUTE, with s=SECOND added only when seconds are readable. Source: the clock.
h=10 m=29
